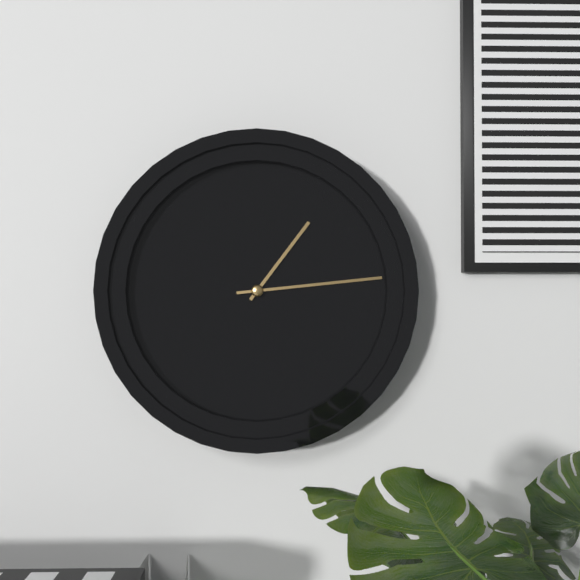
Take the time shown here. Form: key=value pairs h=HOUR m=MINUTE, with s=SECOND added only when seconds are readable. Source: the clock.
h=1 m=14
